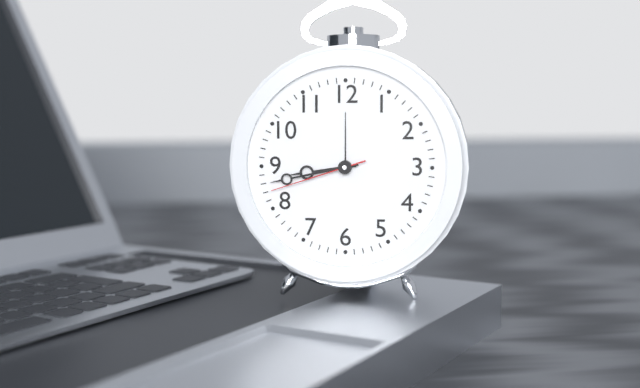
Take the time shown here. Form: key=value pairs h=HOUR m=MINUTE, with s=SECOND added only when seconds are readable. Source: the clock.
h=8 m=43 s=42
